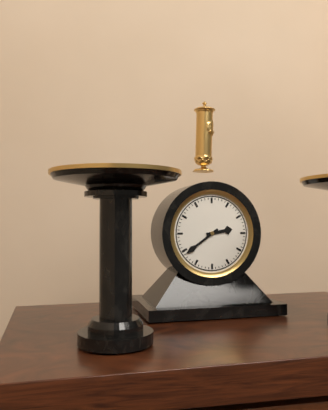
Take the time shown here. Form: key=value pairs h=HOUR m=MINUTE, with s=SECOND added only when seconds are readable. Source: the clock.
h=2 m=39
